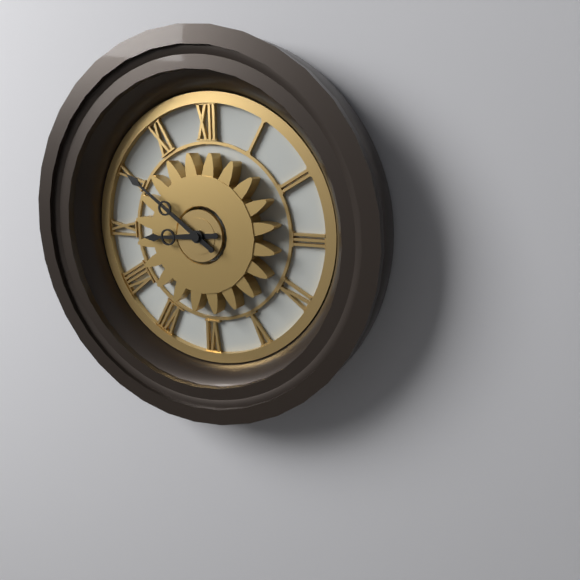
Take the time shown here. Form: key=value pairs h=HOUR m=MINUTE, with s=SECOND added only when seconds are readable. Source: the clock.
h=8 m=51
